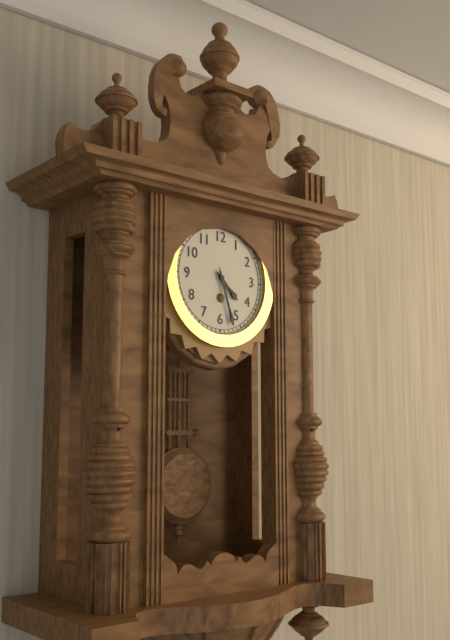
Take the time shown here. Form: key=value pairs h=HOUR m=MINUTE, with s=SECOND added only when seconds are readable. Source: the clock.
h=4 m=27
